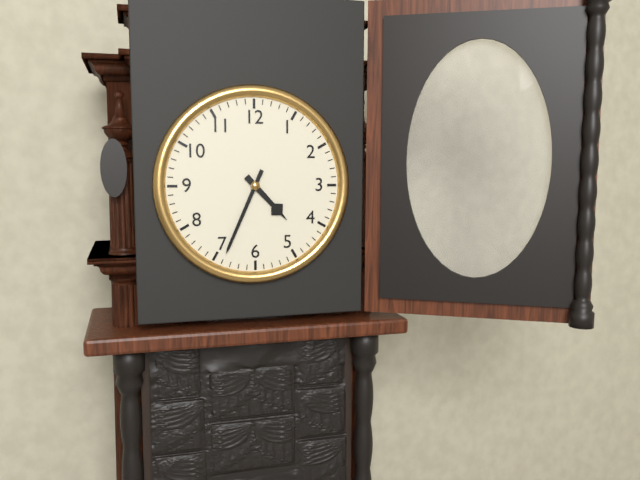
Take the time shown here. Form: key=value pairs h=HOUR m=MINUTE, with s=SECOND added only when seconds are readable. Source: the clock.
h=4 m=34
